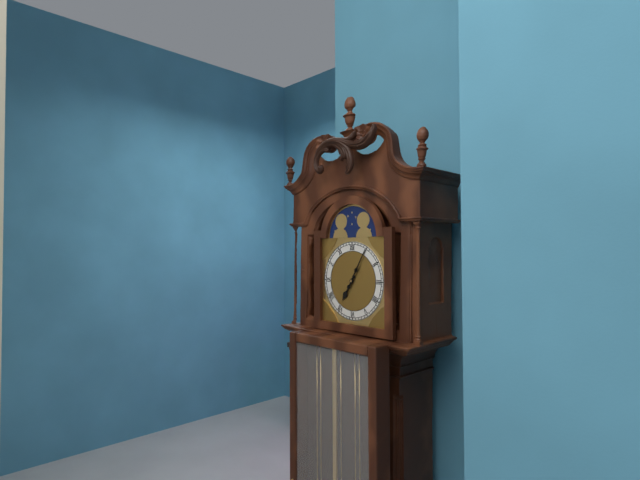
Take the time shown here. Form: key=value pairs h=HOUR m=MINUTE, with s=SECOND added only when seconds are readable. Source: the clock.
h=7 m=5
